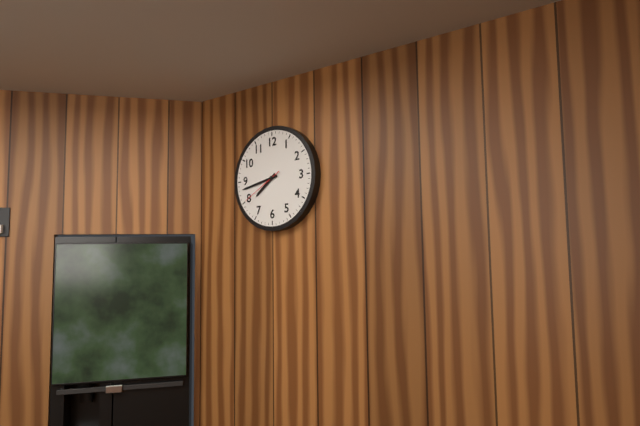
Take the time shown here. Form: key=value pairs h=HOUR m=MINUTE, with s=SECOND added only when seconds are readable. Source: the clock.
h=7 m=43 s=40
